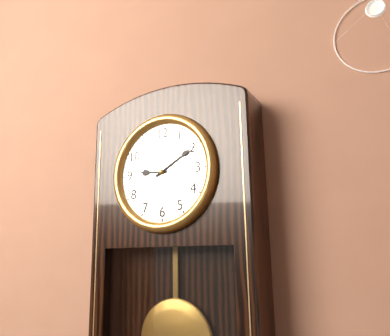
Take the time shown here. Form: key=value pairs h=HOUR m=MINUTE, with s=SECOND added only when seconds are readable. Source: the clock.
h=9 m=10
